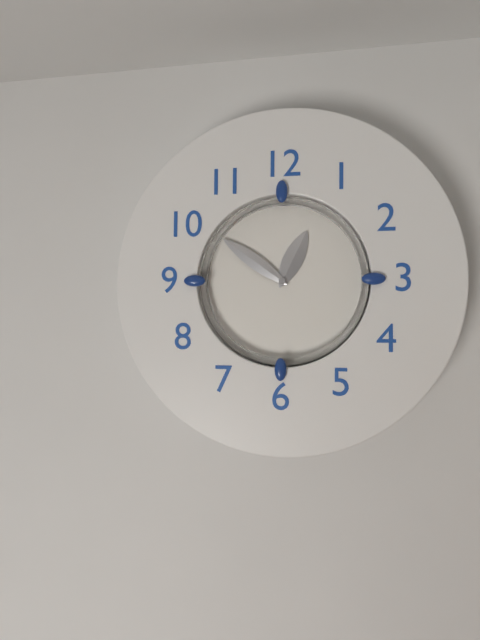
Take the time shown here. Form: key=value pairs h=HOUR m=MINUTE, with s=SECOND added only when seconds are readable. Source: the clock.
h=12 m=51
